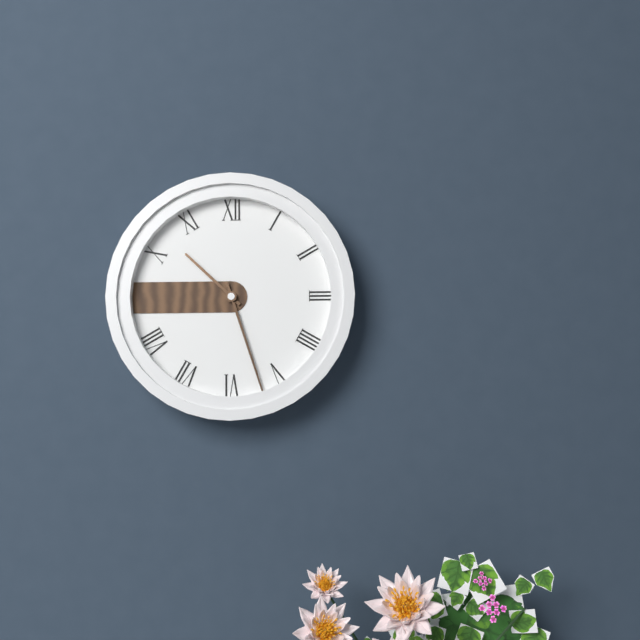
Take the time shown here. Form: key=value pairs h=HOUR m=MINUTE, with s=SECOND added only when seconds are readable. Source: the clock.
h=10 m=27
